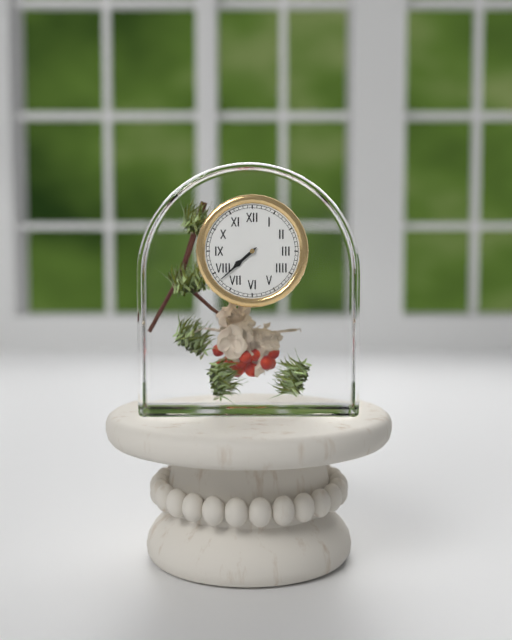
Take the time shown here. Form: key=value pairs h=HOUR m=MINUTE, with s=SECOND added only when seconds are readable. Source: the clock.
h=7 m=38
